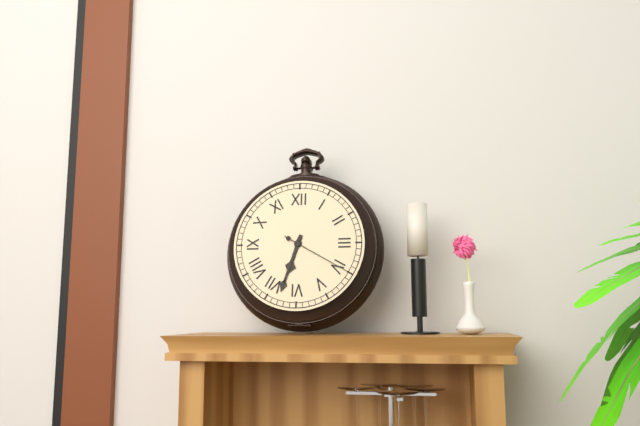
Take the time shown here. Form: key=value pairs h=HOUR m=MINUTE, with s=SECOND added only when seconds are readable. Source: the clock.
h=6 m=33 s=20
